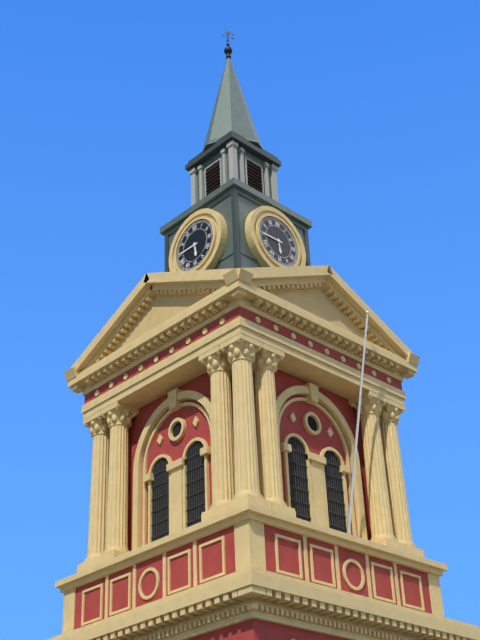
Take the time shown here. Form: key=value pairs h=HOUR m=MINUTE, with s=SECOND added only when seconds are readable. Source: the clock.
h=5 m=45
